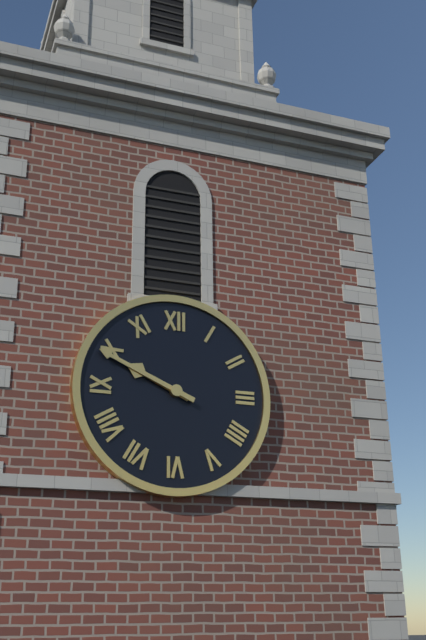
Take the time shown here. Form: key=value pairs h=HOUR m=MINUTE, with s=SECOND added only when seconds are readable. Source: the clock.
h=9 m=49
